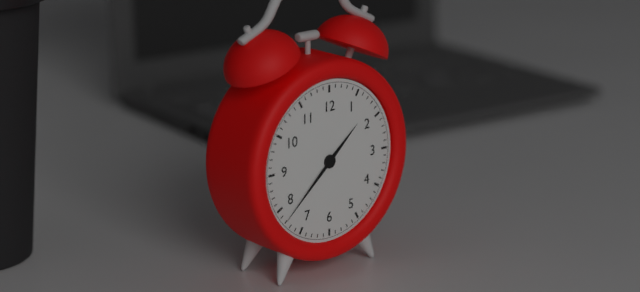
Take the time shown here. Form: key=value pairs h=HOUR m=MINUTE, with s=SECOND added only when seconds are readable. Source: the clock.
h=1 m=38
